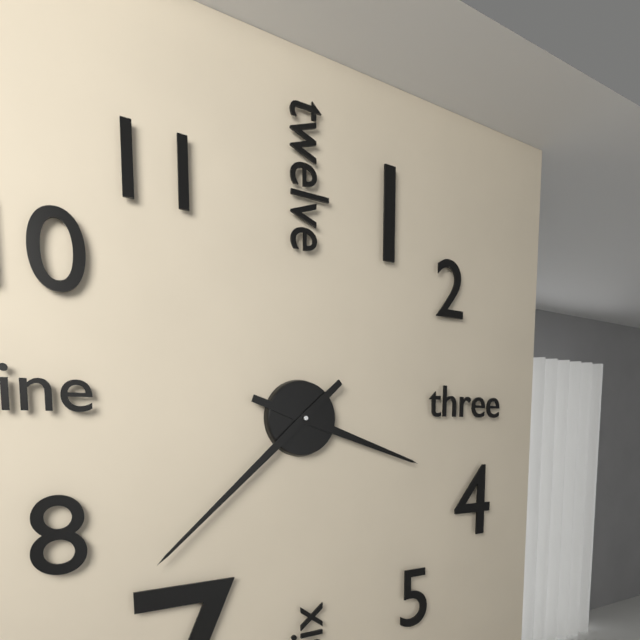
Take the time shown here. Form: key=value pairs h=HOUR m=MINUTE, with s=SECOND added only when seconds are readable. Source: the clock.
h=3 m=38
